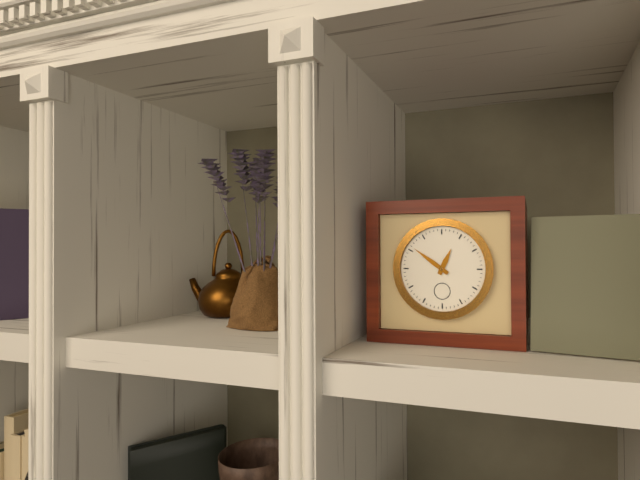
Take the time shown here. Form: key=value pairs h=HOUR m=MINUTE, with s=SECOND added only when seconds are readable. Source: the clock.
h=12 m=51
